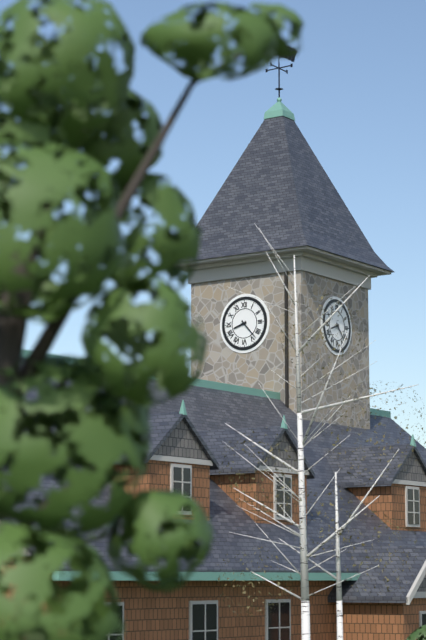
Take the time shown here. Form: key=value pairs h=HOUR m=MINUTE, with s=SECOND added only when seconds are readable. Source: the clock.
h=8 m=23
